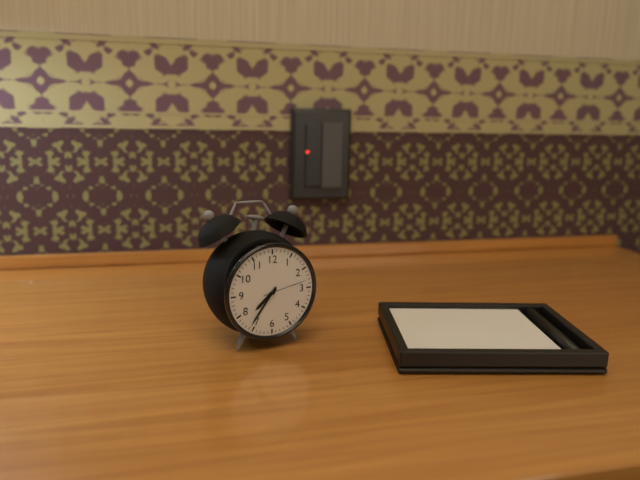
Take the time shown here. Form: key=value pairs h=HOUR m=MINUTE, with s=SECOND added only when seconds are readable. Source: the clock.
h=7 m=36
